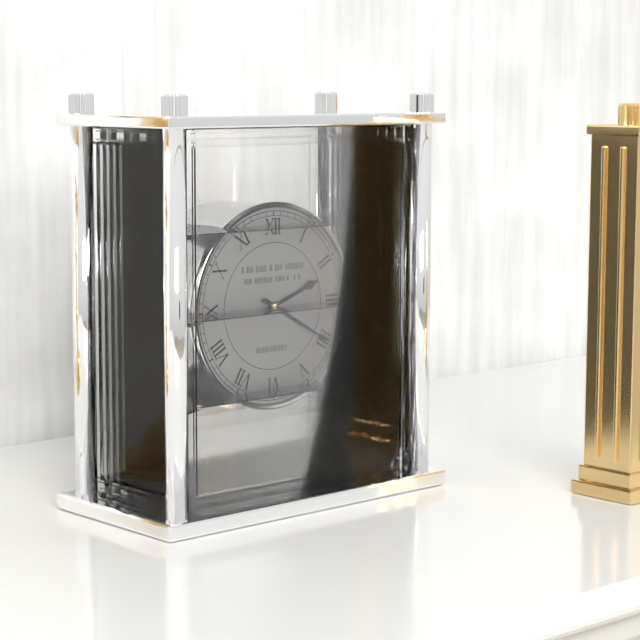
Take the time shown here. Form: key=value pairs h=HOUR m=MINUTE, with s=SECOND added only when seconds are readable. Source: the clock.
h=2 m=20
